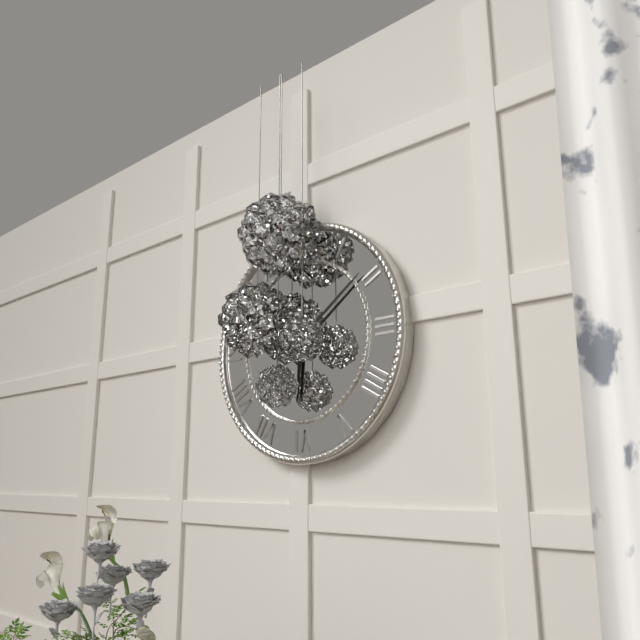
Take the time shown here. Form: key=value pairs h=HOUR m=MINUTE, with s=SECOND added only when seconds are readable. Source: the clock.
h=6 m=9
